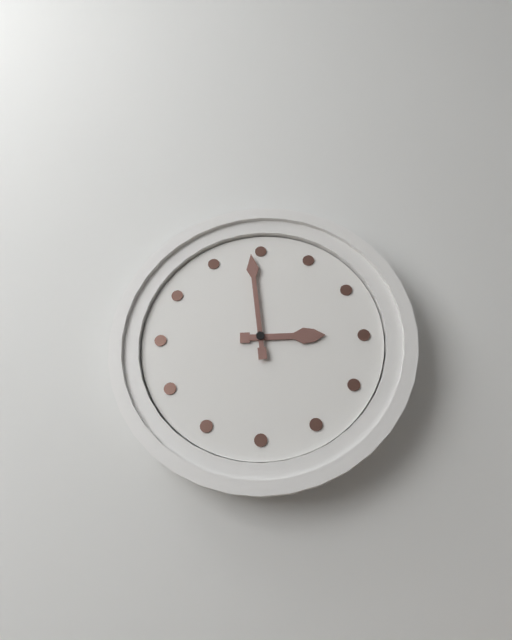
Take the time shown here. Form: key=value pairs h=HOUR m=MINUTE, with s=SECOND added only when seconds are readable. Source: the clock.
h=2 m=59
